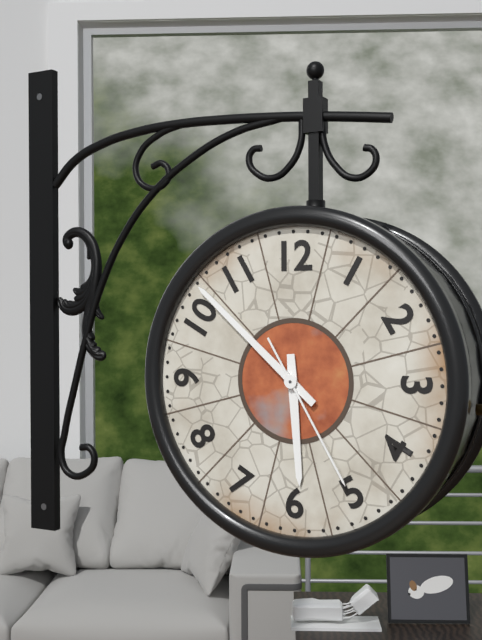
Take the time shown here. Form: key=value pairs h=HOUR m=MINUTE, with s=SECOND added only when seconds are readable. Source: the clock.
h=5 m=52 s=25
